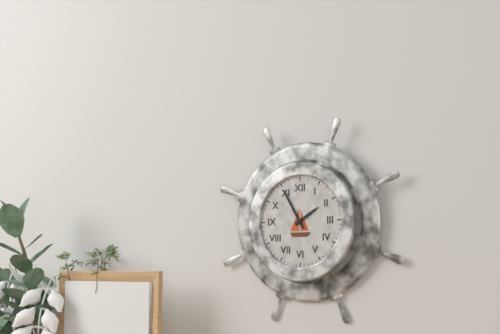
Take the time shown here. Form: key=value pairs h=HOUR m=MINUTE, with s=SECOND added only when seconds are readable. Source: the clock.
h=1 m=55
